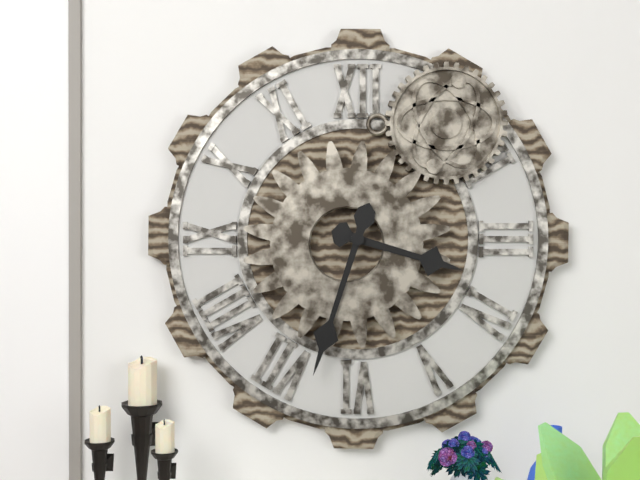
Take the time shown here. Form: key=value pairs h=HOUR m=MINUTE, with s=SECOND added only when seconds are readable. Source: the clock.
h=3 m=33
